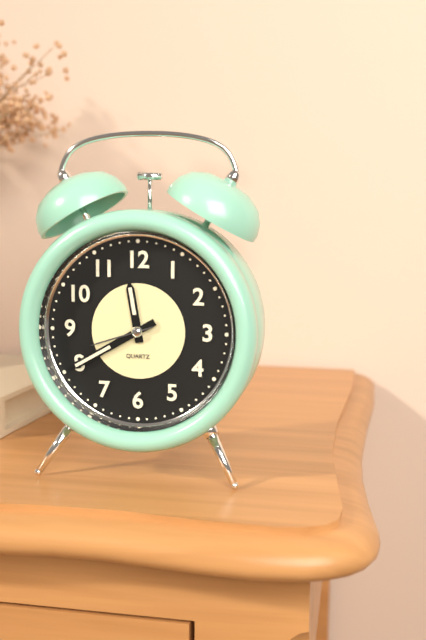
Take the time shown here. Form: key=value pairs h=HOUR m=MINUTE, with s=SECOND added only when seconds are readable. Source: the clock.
h=11 m=40 s=42
